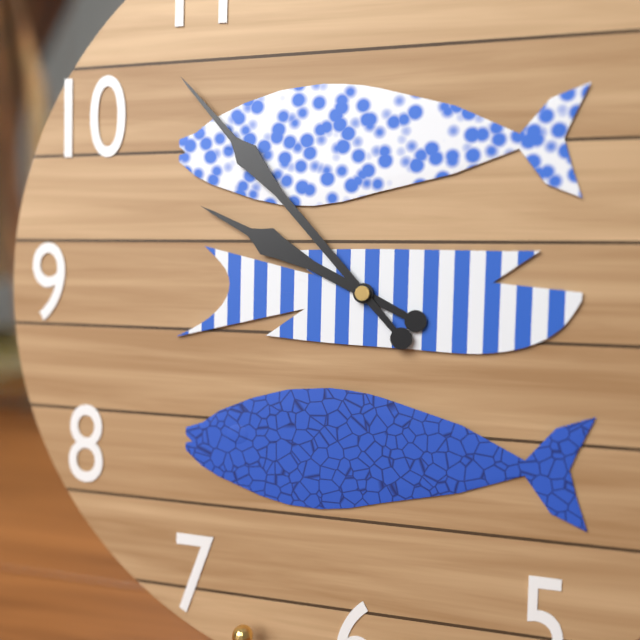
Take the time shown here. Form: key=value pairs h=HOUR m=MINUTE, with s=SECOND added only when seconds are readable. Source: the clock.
h=9 m=53
